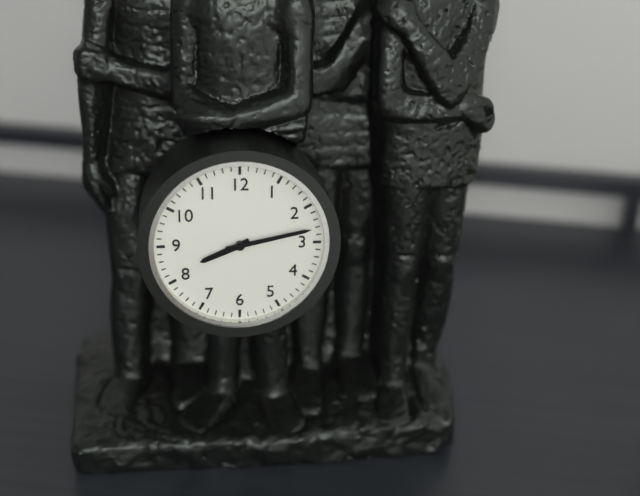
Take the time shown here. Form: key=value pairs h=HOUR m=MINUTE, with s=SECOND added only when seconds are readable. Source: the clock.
h=8 m=13
